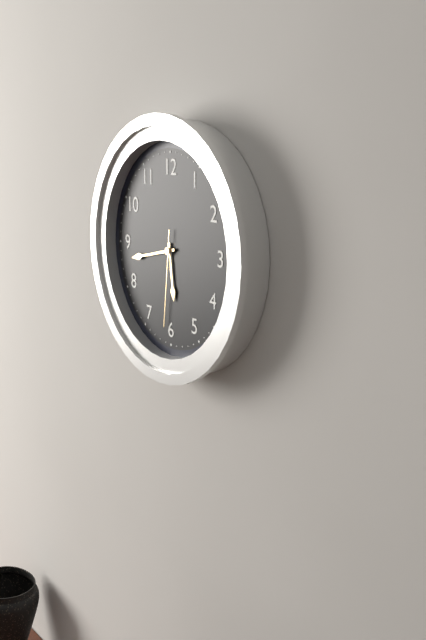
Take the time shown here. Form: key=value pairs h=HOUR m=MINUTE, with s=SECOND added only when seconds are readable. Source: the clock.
h=5 m=43 s=31
